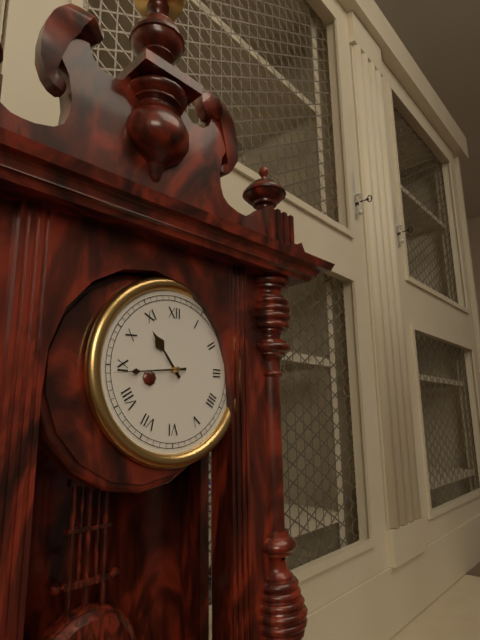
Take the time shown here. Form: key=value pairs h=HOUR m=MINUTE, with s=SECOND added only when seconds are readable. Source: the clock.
h=10 m=44
